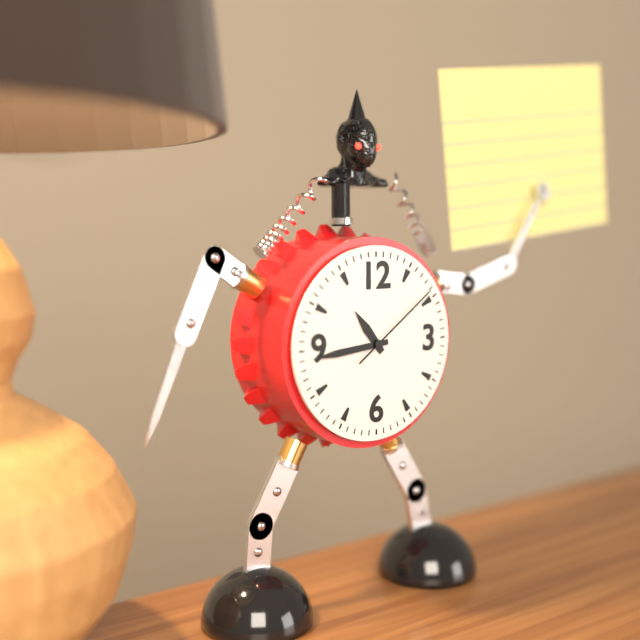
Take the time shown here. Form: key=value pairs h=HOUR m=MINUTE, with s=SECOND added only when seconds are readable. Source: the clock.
h=10 m=44 s=9
